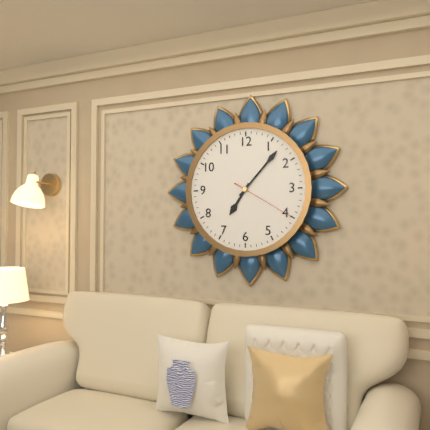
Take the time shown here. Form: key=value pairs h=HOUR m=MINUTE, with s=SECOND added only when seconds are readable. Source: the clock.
h=7 m=7 s=20
